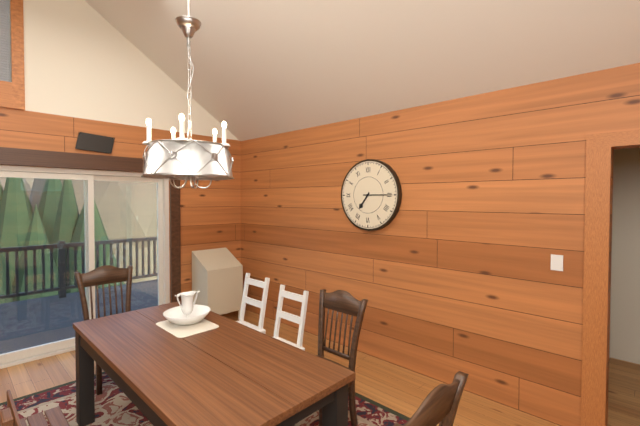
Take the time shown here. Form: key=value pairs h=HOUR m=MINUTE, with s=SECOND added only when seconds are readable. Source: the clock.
h=7 m=15
